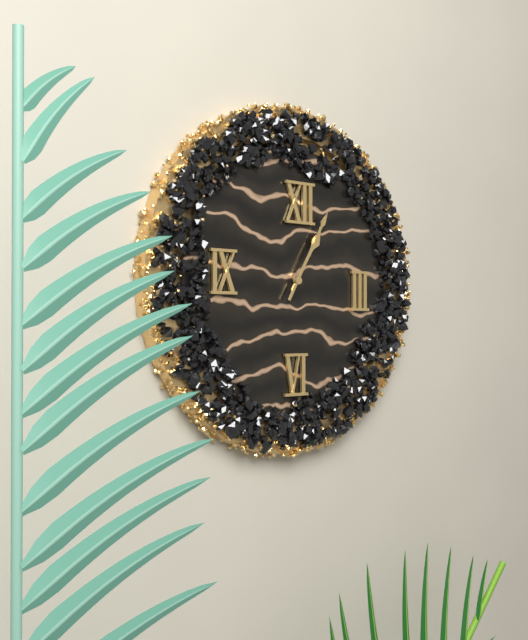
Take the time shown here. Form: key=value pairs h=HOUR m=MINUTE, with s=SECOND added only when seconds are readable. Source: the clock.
h=1 m=5
